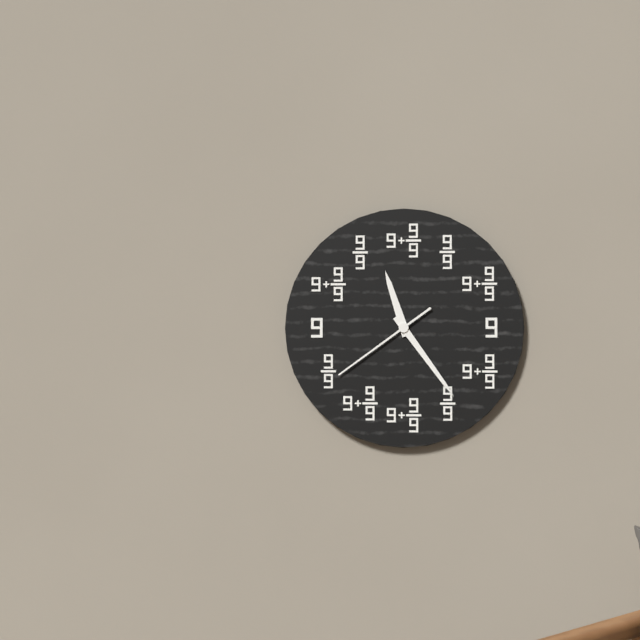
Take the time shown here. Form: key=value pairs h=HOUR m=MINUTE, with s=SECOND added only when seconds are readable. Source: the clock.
h=11 m=24 s=39
